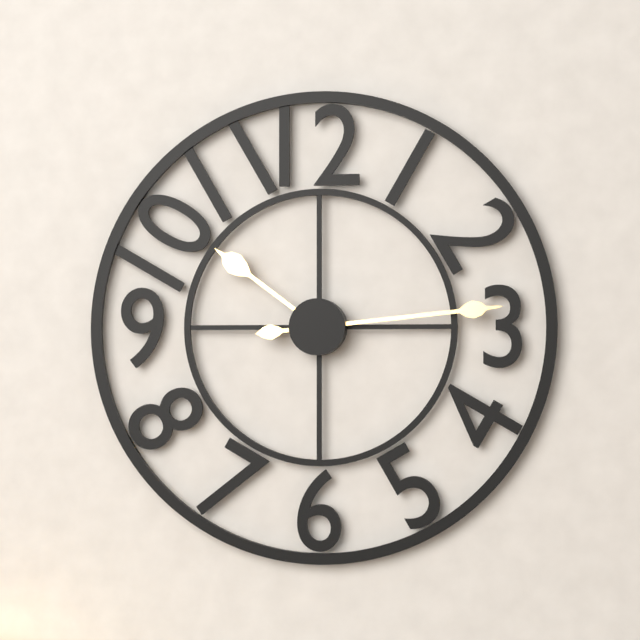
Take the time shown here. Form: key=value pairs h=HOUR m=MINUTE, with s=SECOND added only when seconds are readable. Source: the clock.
h=10 m=14
